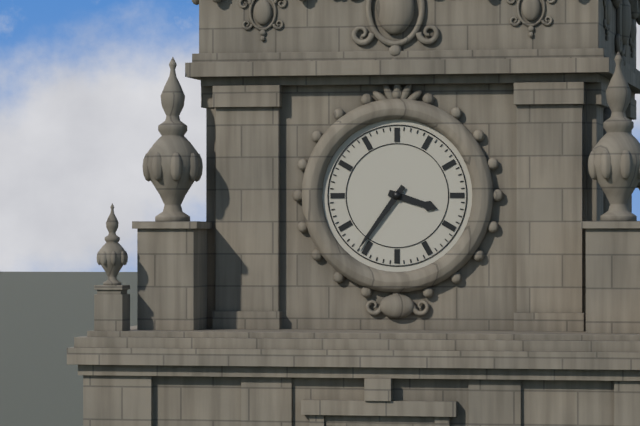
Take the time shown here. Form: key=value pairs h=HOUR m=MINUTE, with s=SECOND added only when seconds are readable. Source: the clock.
h=3 m=36
